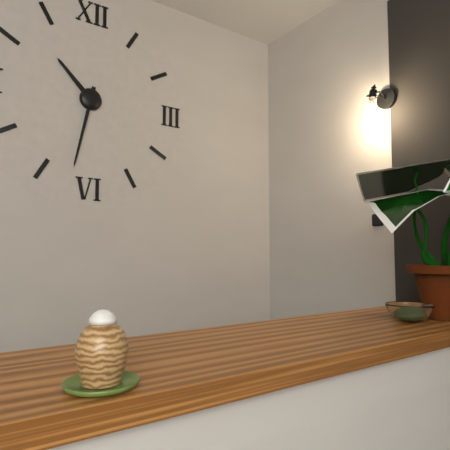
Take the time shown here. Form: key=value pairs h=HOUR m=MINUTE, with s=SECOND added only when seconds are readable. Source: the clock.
h=10 m=32
